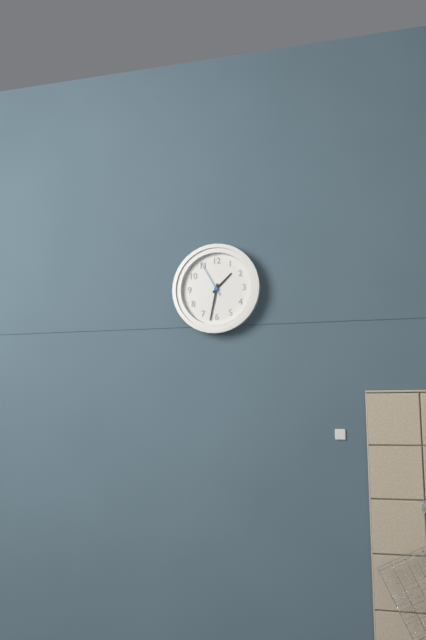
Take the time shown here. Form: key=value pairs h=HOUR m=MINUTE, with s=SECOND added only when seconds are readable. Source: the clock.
h=1 m=32
